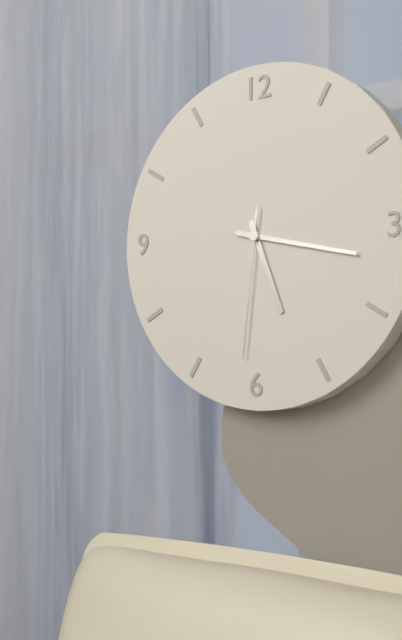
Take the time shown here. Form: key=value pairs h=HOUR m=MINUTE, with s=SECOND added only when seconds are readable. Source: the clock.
h=5 m=17 s=31
